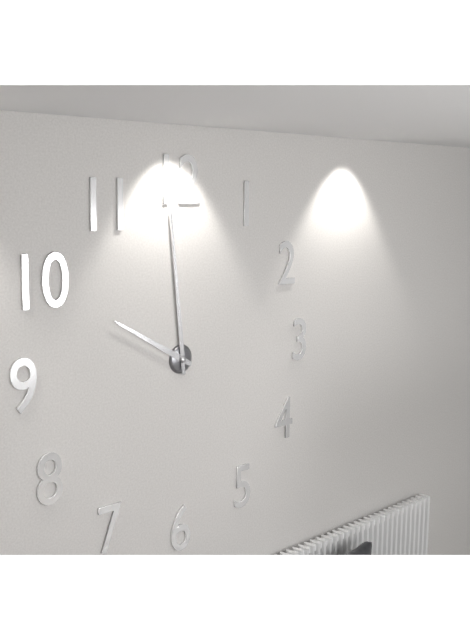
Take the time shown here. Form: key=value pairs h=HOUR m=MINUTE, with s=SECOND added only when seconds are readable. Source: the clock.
h=9 m=59
